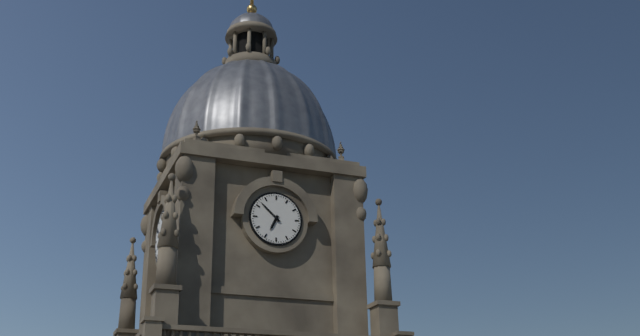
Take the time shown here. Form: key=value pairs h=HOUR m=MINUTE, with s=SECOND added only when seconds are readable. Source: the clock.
h=6 m=52
